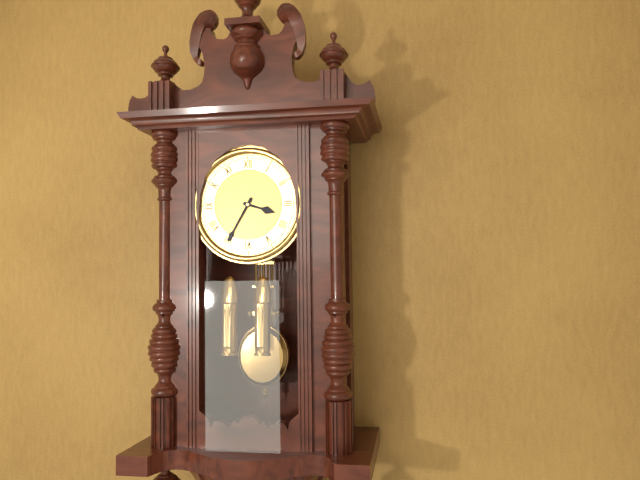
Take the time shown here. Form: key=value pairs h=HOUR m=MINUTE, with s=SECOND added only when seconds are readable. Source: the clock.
h=3 m=35
